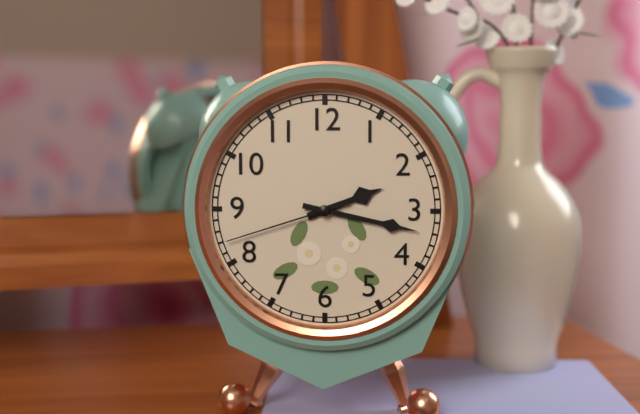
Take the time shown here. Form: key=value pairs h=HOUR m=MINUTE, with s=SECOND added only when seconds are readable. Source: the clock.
h=2 m=17 s=42
